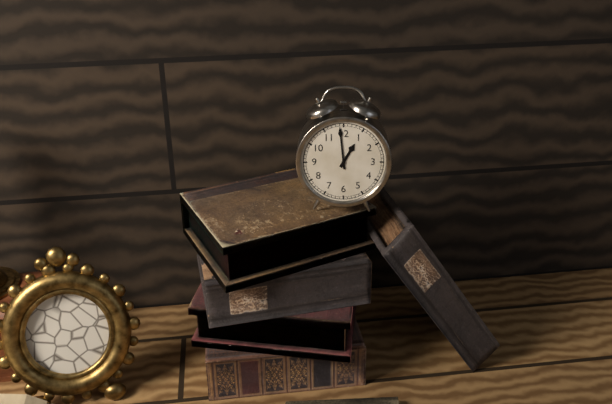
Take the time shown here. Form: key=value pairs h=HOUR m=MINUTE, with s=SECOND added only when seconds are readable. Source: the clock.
h=12 m=59
